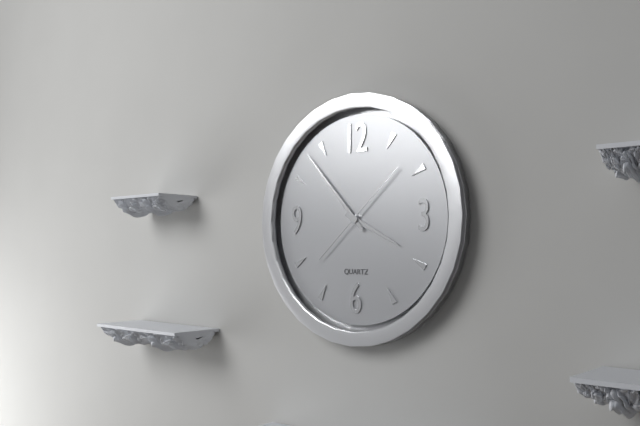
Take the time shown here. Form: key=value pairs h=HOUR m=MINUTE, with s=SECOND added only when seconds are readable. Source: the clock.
h=3 m=53 s=8
